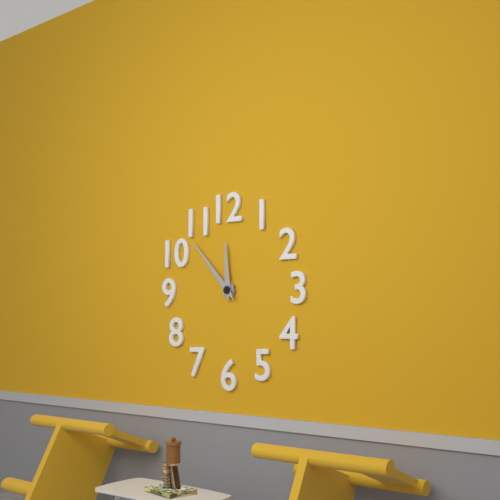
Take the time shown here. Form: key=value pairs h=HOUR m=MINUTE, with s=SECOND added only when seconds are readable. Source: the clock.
h=11 m=53
